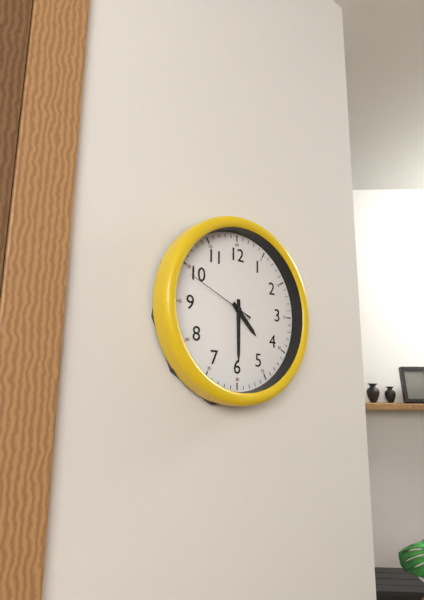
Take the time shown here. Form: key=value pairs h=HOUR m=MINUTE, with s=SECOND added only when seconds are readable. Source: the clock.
h=4 m=30 s=49
